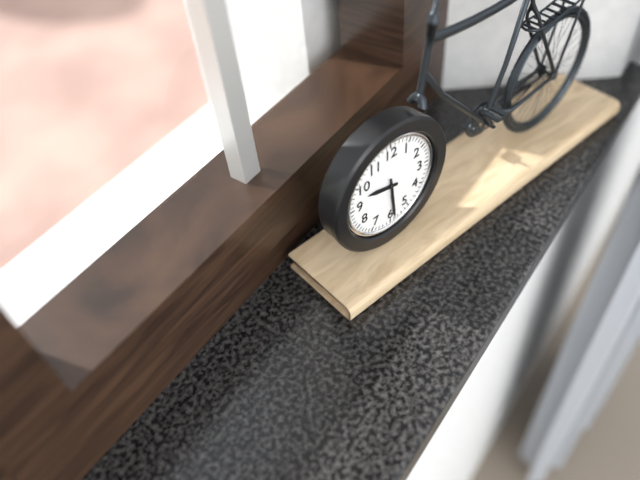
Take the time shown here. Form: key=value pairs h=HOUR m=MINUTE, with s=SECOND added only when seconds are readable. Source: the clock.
h=9 m=29
